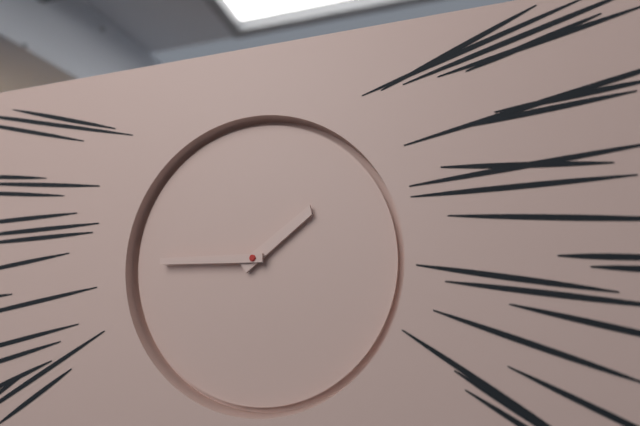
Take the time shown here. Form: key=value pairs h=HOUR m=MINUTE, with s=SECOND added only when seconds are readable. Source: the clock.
h=1 m=45
